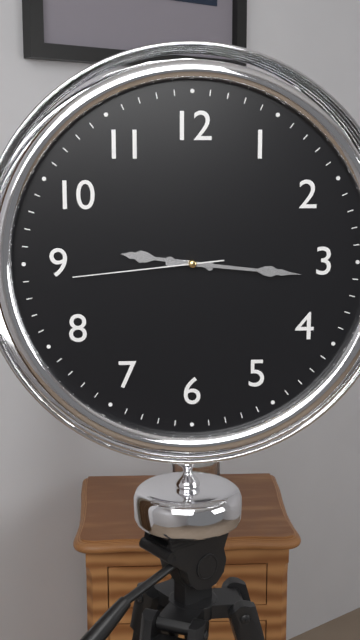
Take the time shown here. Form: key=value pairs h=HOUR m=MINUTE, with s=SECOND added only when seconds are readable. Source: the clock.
h=9 m=16 s=44
